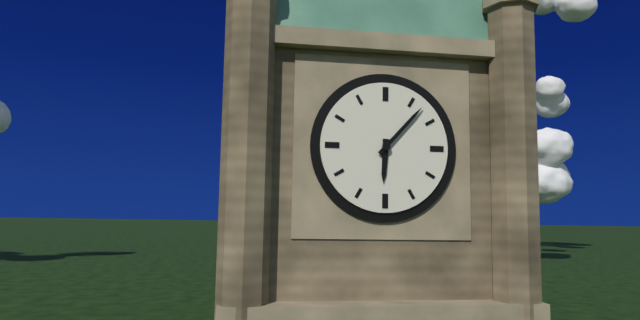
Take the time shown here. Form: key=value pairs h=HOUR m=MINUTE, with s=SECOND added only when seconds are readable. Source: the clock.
h=6 m=7
